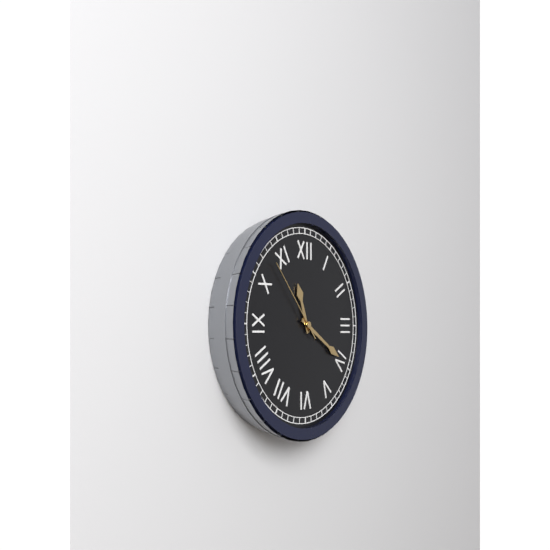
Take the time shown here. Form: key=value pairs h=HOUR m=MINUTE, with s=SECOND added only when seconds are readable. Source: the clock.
h=11 m=20 s=53
